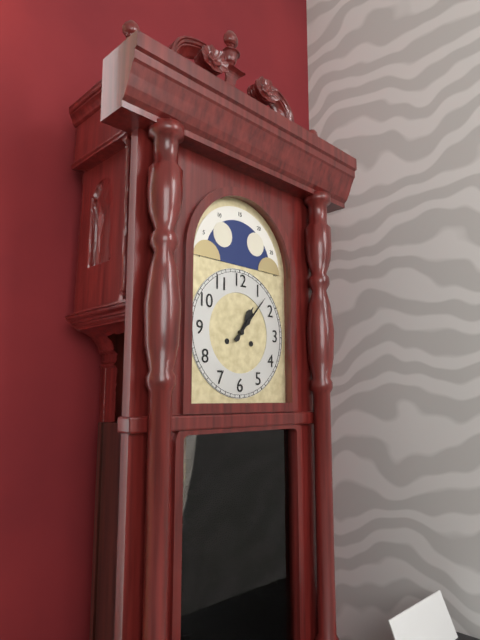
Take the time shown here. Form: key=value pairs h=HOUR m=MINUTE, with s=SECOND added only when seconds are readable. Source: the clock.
h=1 m=7
